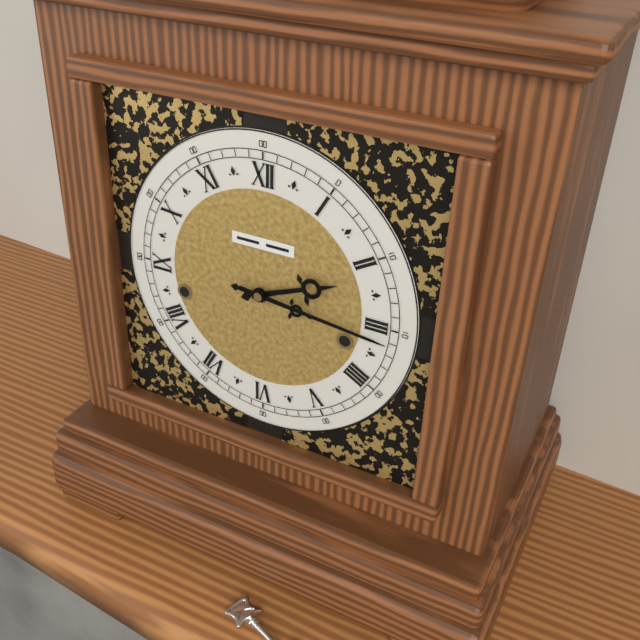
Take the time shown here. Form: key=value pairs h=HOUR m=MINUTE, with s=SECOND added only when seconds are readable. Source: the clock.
h=2 m=16
